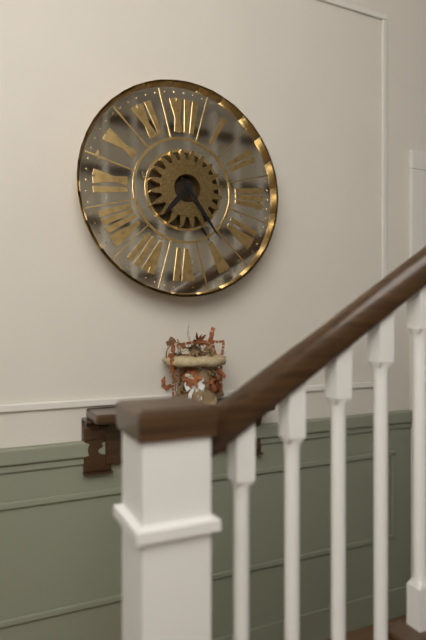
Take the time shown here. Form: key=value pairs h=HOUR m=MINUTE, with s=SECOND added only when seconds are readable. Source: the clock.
h=7 m=24
